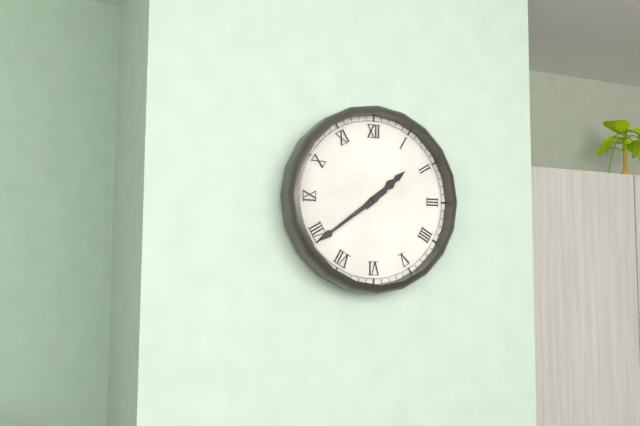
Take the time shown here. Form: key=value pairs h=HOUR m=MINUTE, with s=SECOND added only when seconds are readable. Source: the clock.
h=1 m=39
